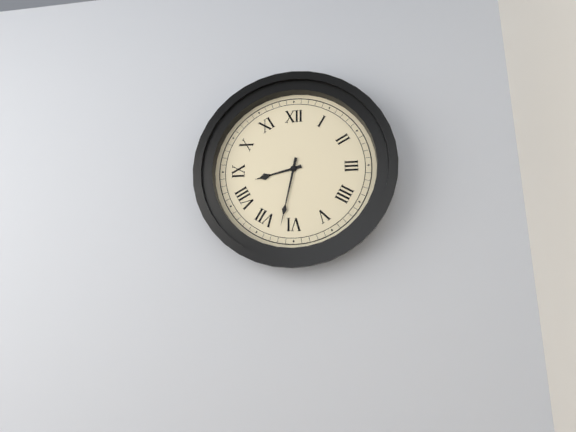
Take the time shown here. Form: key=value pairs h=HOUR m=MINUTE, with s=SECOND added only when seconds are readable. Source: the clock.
h=8 m=32
